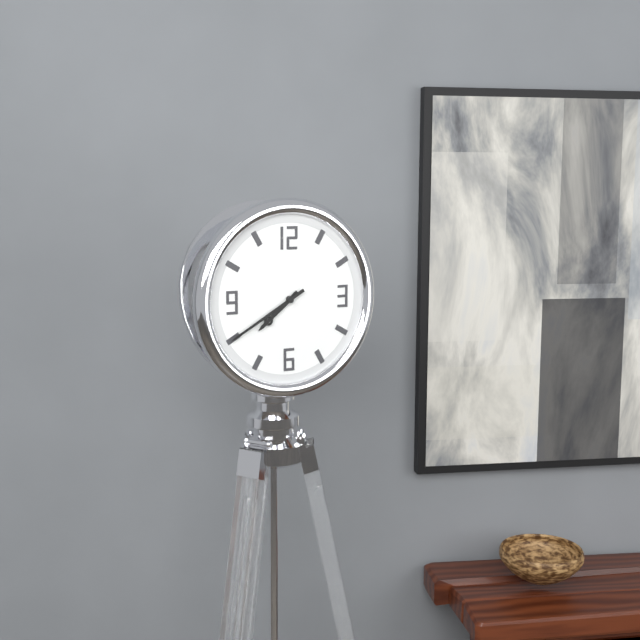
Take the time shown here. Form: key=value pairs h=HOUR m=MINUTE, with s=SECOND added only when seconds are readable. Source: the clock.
h=7 m=40
